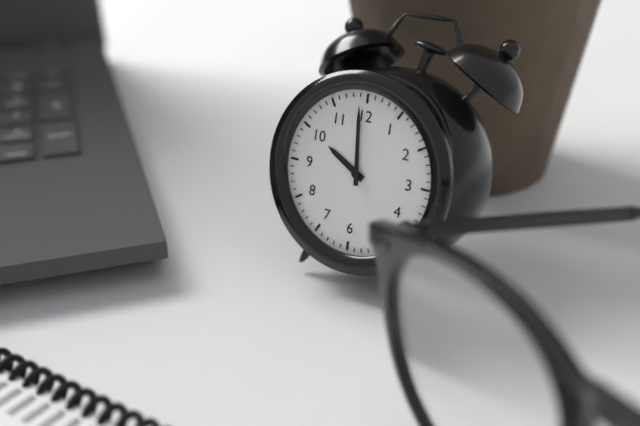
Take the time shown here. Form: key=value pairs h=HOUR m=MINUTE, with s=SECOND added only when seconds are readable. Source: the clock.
h=9 m=59
